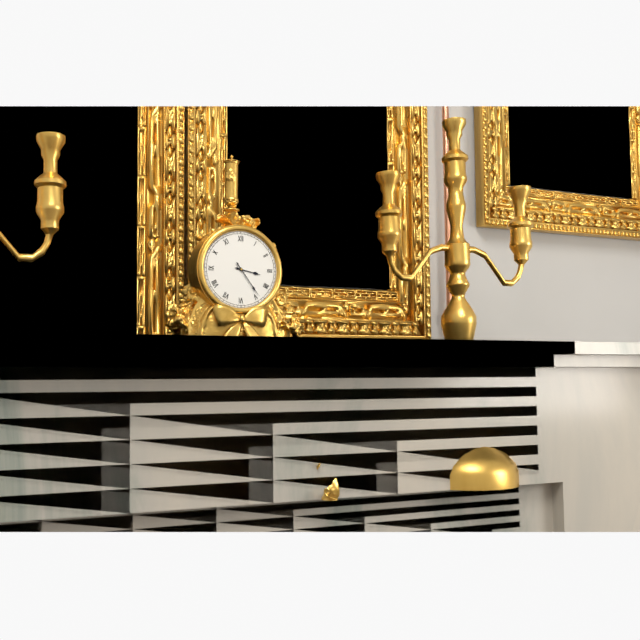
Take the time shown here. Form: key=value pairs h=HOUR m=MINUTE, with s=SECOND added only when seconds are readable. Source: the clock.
h=3 m=24
